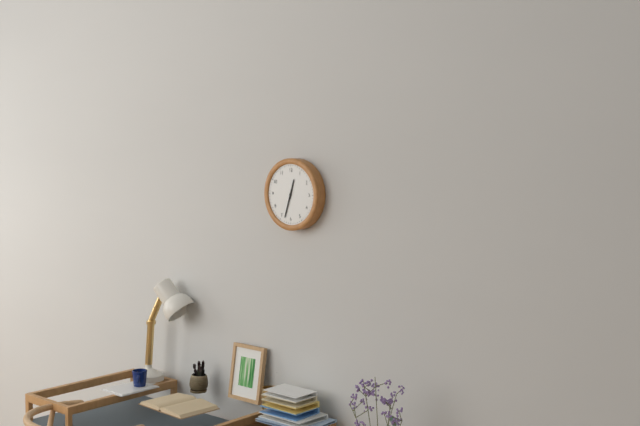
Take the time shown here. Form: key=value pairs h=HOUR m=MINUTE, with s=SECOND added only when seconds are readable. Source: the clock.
h=12 m=33
